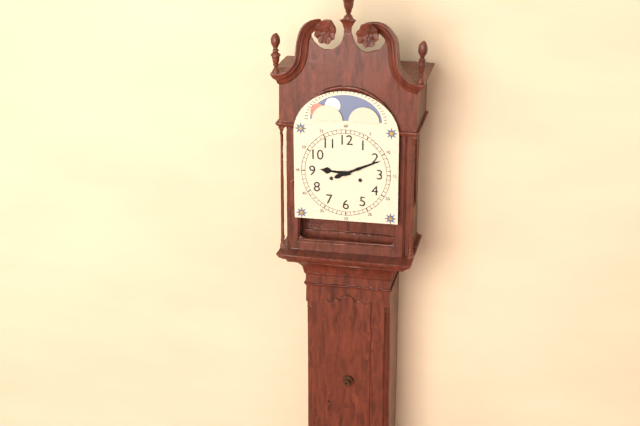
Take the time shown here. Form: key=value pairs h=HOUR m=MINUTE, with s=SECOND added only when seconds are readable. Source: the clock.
h=9 m=11
